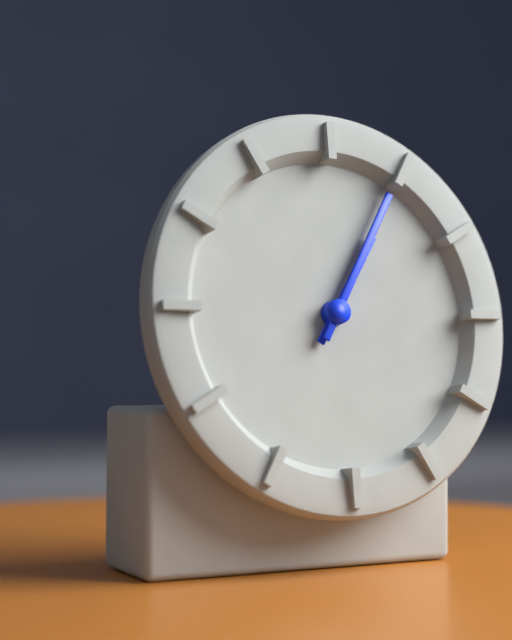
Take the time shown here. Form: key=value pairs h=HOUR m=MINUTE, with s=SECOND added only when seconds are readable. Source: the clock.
h=1 m=5
